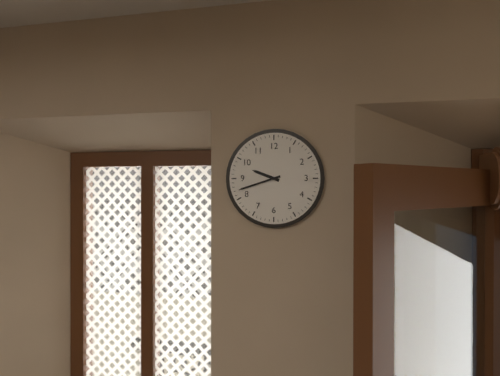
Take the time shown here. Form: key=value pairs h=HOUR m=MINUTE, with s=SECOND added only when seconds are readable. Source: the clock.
h=9 m=42
